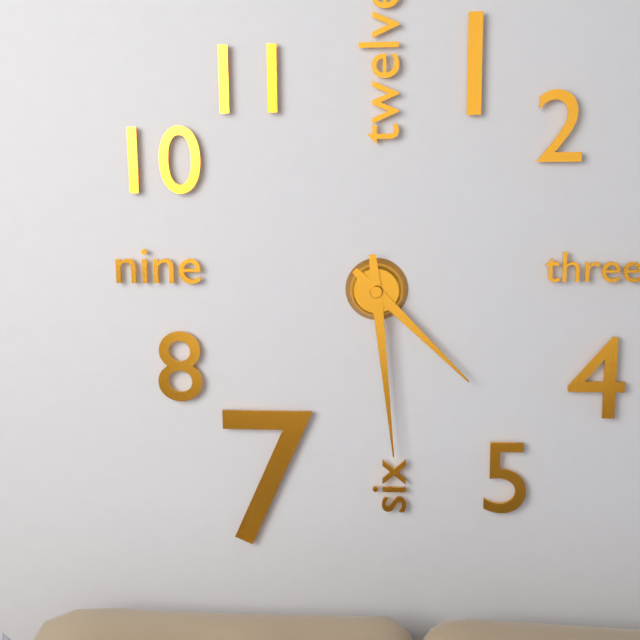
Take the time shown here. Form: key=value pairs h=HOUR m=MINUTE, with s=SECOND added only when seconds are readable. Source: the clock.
h=4 m=29
